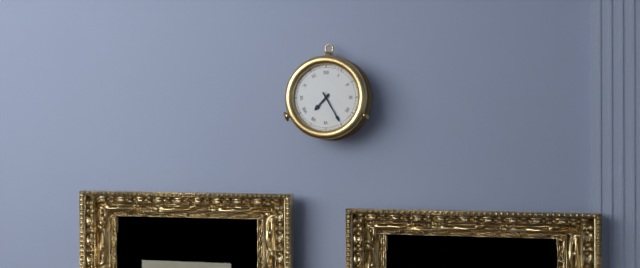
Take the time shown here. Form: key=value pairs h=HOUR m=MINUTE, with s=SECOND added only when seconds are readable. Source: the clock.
h=7 m=25
